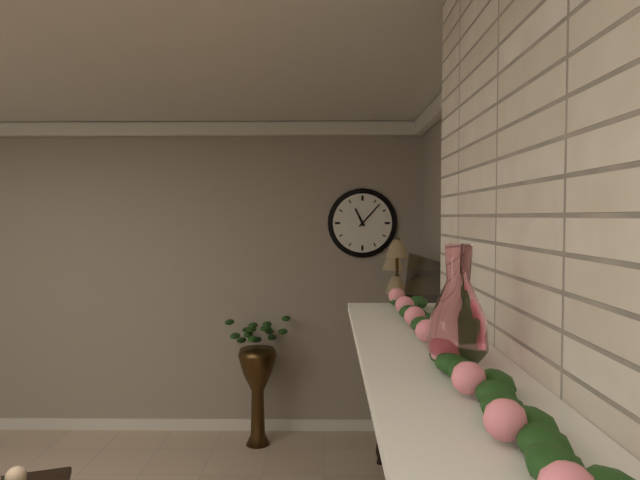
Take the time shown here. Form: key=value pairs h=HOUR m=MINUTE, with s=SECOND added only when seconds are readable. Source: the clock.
h=11 m=7
